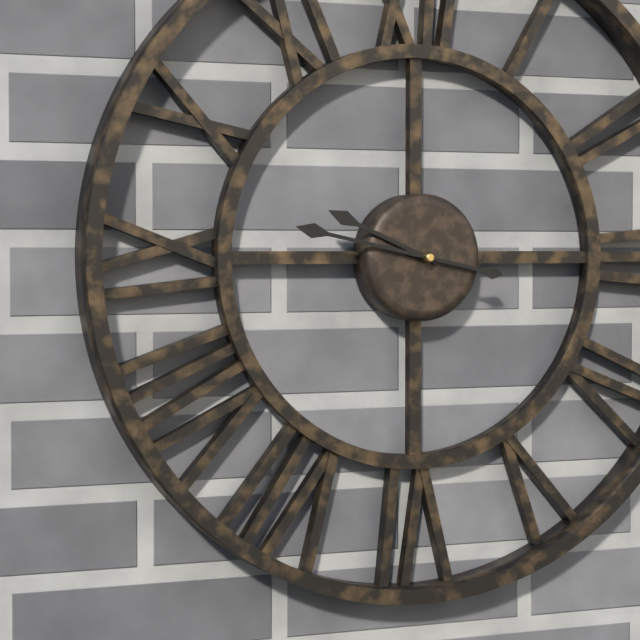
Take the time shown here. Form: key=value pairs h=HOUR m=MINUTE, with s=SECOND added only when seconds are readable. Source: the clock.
h=9 m=47
